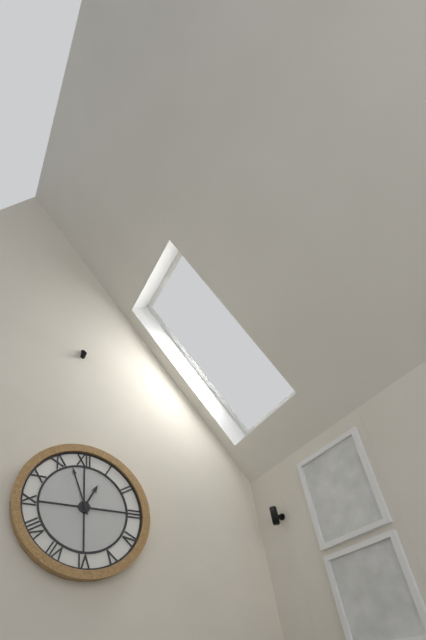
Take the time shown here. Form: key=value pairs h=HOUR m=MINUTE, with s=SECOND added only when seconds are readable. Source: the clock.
h=12 m=57
